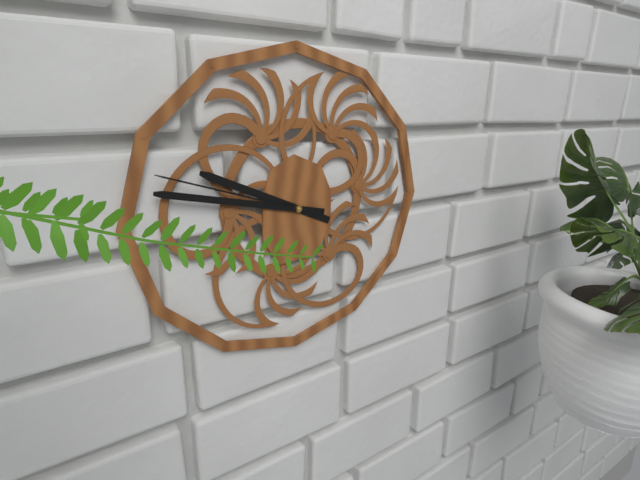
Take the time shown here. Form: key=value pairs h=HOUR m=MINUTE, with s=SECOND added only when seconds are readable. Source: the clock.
h=9 m=47 s=48
